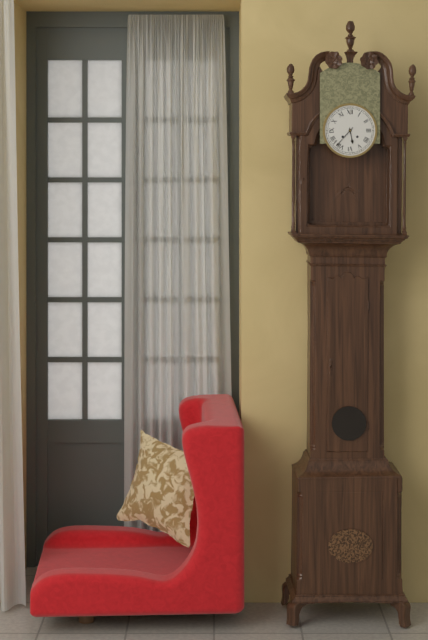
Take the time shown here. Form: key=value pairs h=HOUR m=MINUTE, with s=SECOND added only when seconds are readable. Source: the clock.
h=5 m=37
